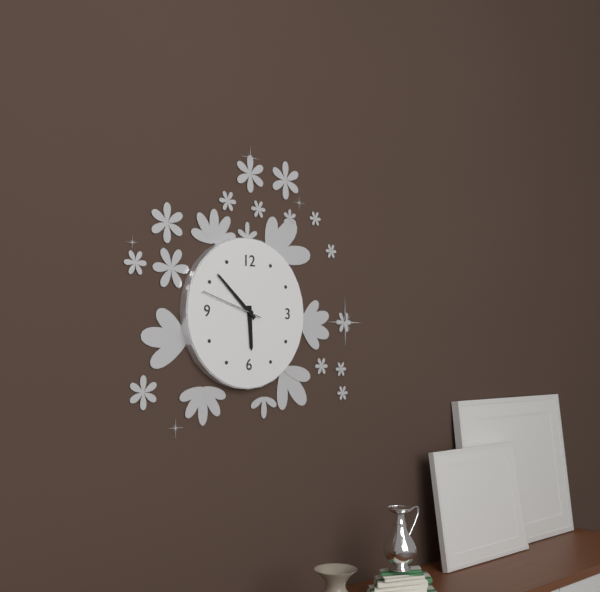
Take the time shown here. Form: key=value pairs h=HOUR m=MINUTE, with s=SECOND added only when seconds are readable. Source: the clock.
h=5 m=52 s=48
